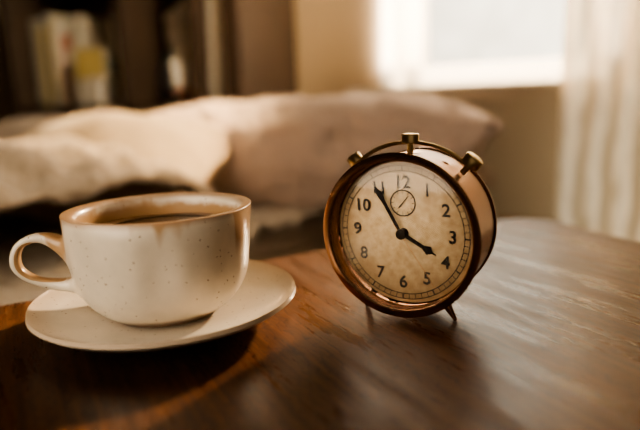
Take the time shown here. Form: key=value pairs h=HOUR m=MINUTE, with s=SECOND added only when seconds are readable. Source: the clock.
h=3 m=55 s=24
